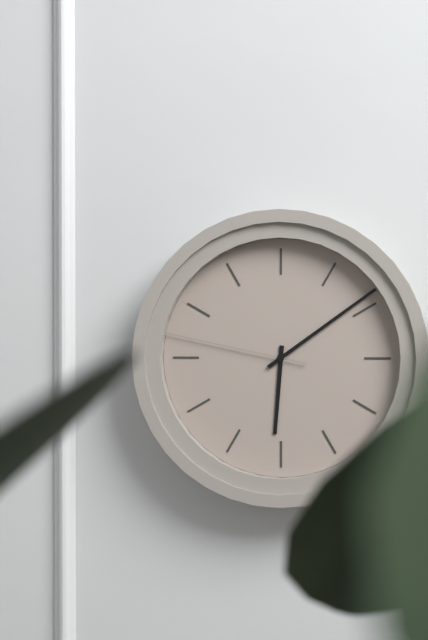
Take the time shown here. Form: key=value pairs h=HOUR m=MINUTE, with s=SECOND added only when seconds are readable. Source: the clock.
h=6 m=9 s=47
